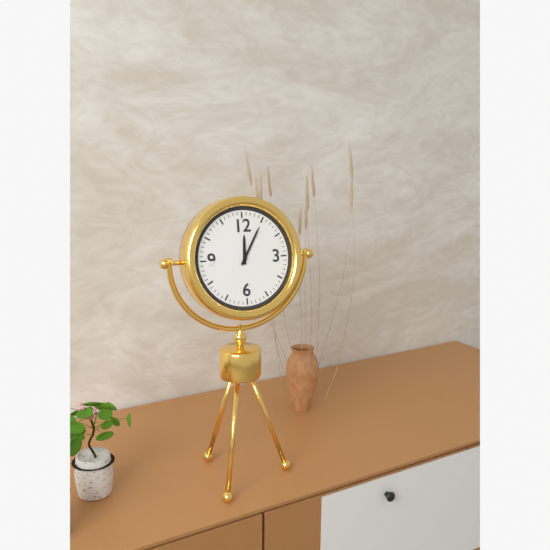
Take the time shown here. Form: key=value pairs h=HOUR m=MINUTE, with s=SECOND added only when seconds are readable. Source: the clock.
h=12 m=5
